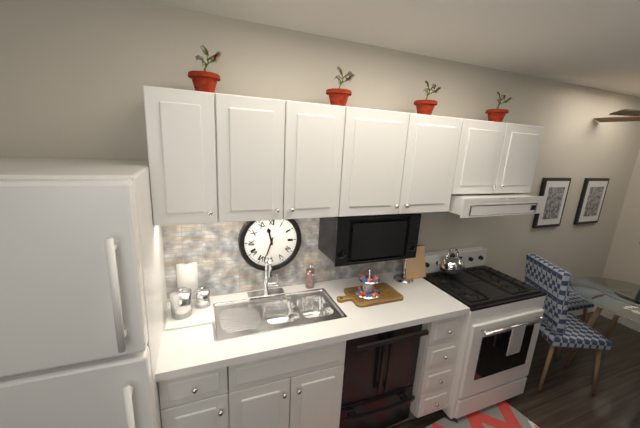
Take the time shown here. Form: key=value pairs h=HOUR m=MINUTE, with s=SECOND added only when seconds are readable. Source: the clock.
h=11 m=33
